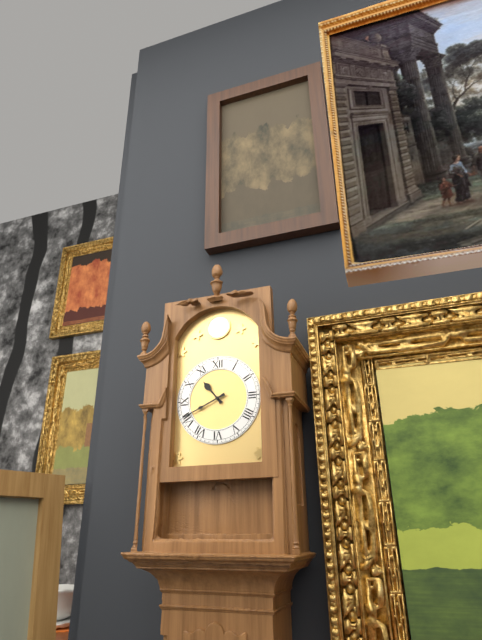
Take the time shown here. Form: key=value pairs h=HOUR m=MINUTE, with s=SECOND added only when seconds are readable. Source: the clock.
h=10 m=41
